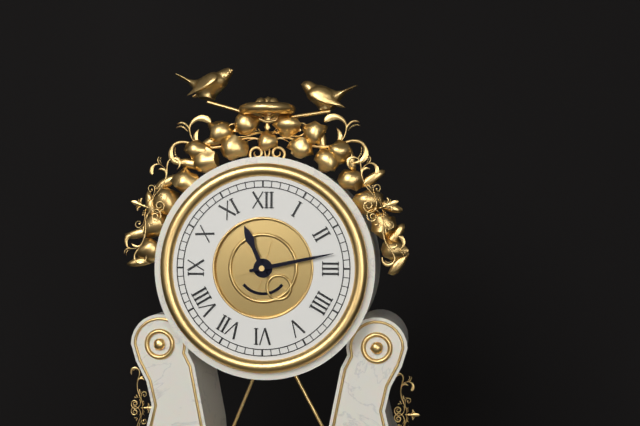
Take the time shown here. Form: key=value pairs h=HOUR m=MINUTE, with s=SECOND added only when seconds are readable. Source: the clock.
h=11 m=13
